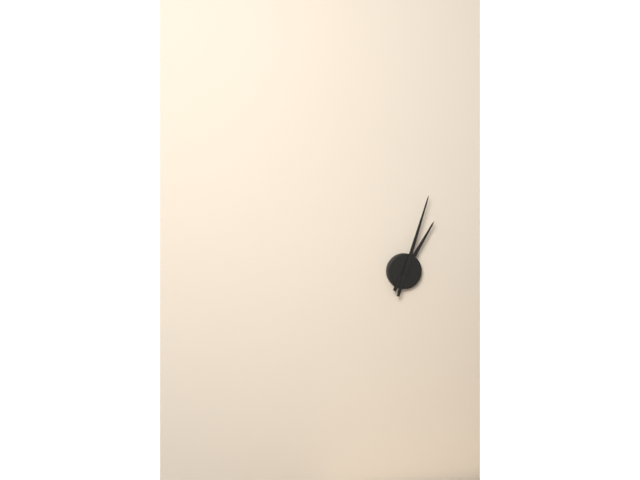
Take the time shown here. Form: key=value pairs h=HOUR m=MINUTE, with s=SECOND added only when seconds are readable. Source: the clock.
h=1 m=3
